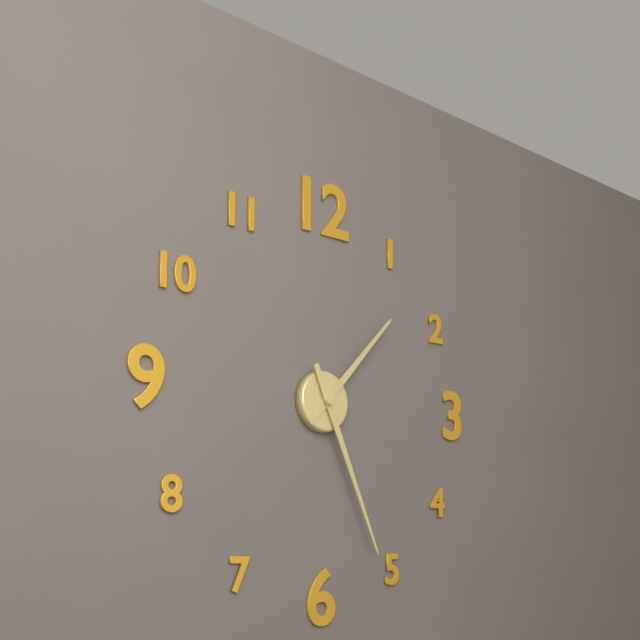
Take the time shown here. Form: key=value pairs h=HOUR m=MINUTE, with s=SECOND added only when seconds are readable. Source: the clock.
h=1 m=26
